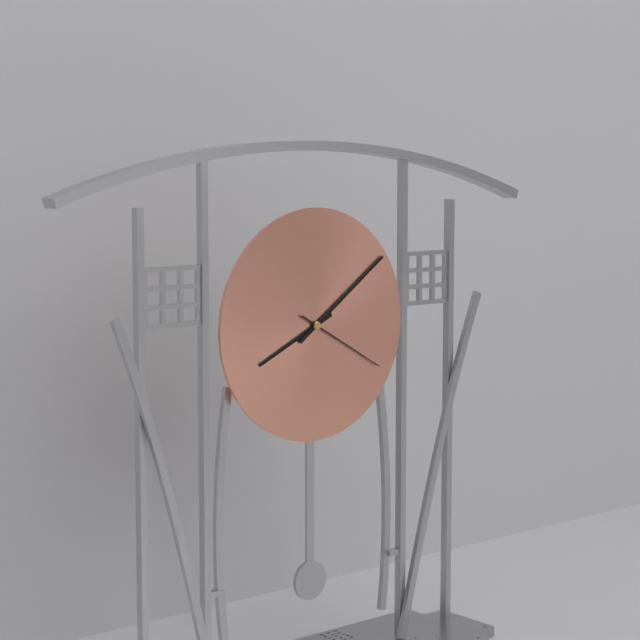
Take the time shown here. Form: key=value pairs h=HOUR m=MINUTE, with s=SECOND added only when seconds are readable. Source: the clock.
h=8 m=9 s=20
